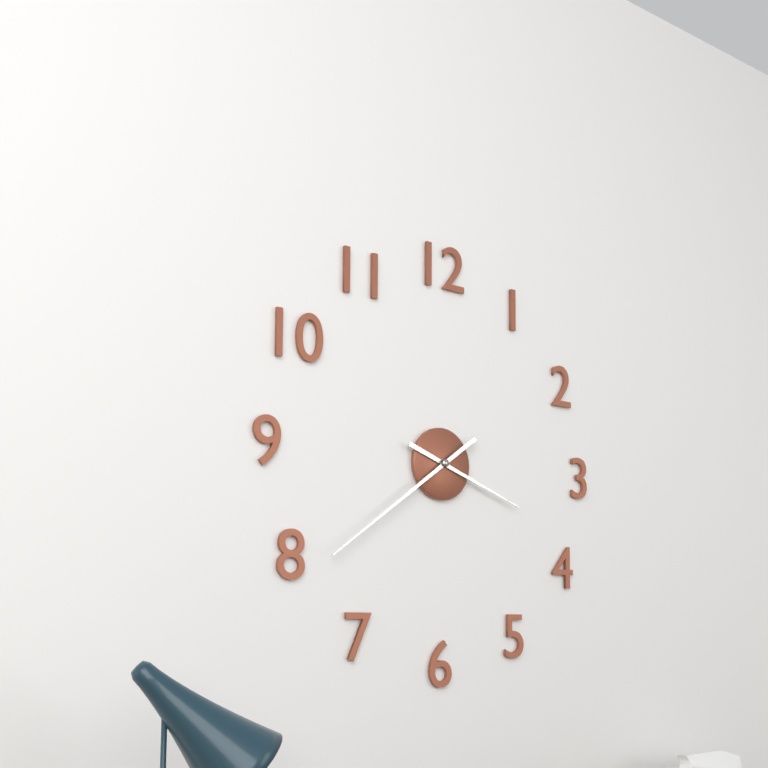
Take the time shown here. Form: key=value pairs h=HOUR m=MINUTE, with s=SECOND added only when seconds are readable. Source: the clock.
h=3 m=39
